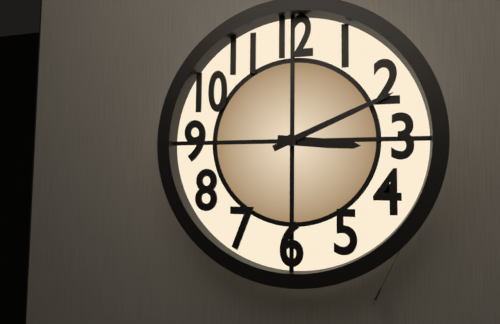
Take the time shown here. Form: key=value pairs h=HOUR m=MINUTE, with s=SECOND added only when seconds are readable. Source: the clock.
h=3 m=11
